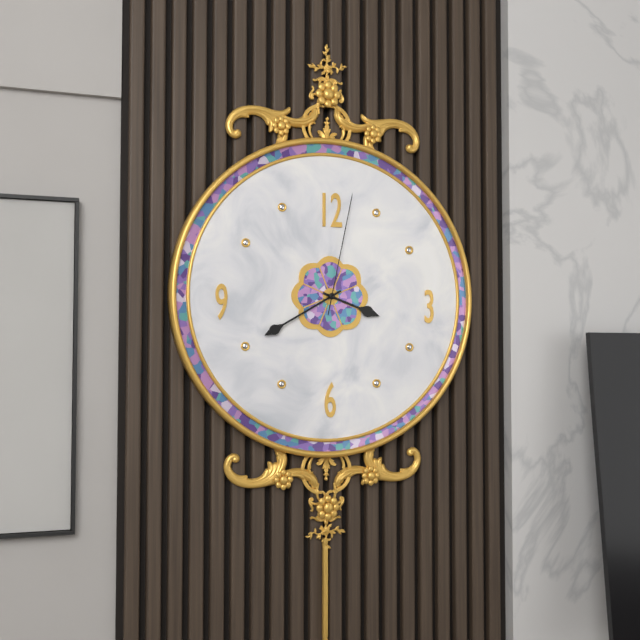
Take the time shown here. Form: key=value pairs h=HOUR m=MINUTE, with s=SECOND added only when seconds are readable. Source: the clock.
h=3 m=40 s=2
